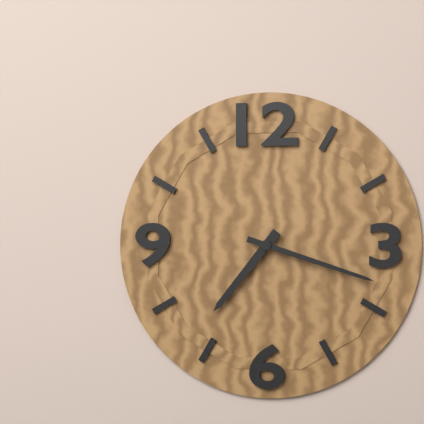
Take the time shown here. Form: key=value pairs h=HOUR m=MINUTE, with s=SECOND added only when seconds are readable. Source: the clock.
h=7 m=18
